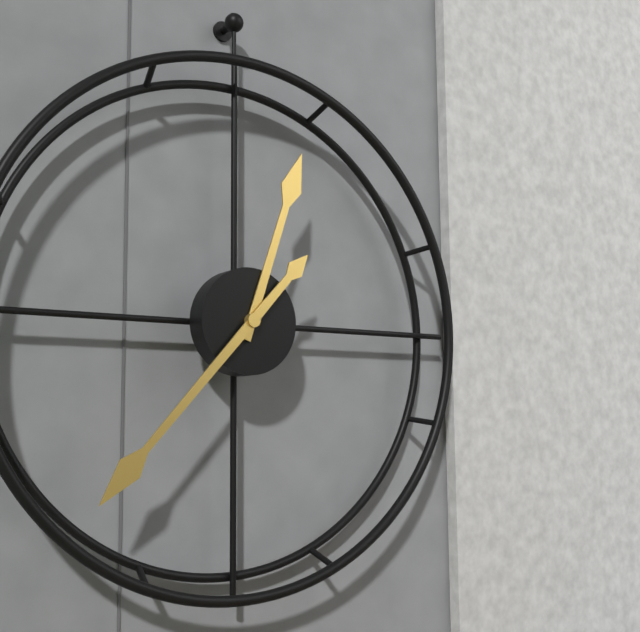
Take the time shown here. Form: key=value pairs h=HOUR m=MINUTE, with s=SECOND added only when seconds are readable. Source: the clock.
h=12 m=37
